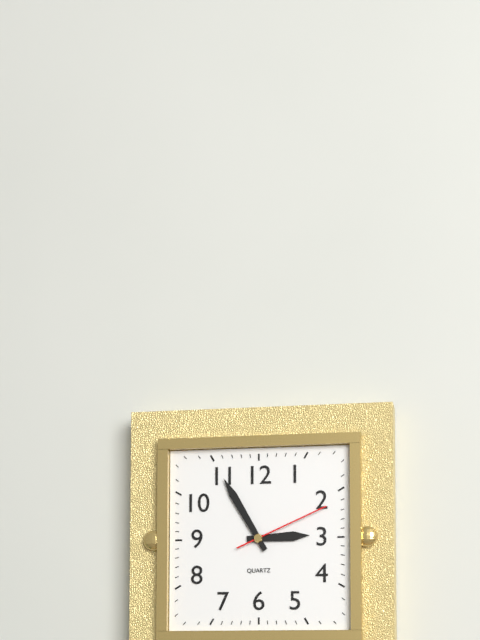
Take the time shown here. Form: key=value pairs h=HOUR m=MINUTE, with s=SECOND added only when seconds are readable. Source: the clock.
h=2 m=55 s=11
